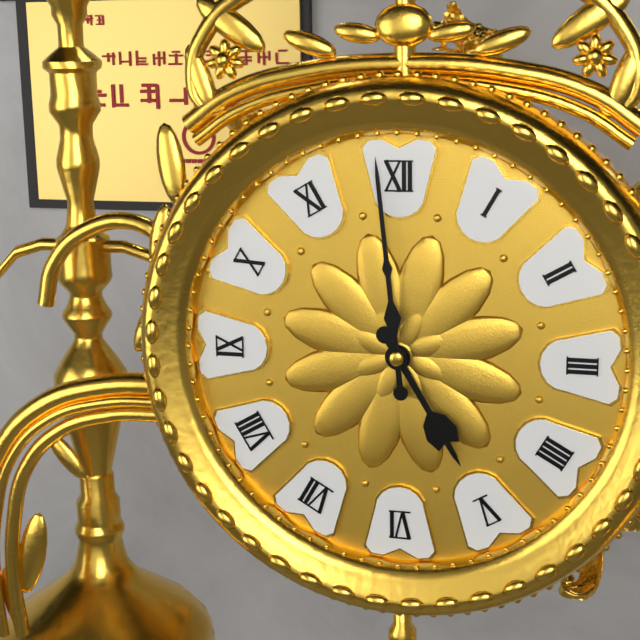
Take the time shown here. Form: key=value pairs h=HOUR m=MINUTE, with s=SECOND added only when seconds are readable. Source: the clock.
h=4 m=59
